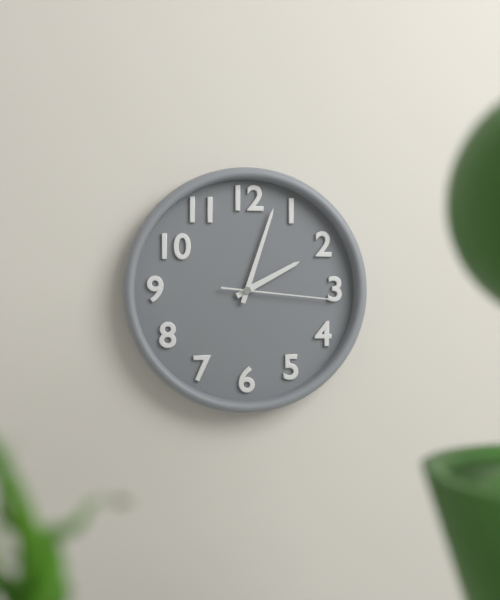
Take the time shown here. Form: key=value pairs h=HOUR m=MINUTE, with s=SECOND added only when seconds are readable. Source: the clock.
h=2 m=3 s=16
